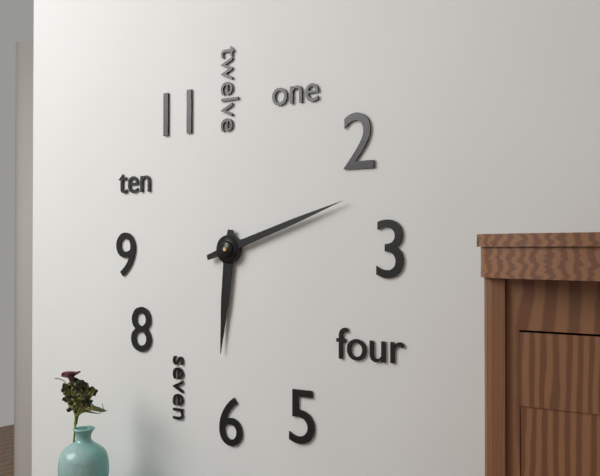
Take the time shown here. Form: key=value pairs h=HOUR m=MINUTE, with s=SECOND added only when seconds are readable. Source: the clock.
h=6 m=12
